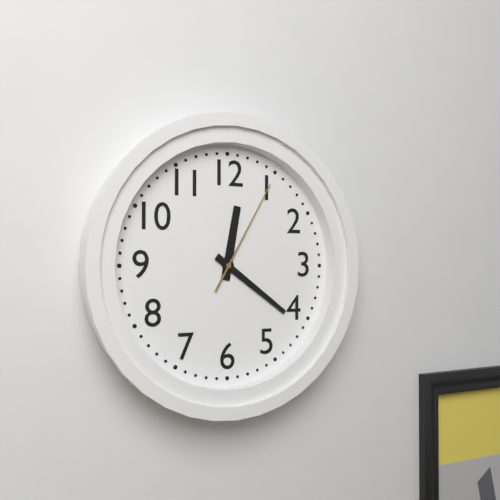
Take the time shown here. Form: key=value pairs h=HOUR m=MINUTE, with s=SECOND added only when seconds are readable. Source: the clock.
h=12 m=21 s=5
